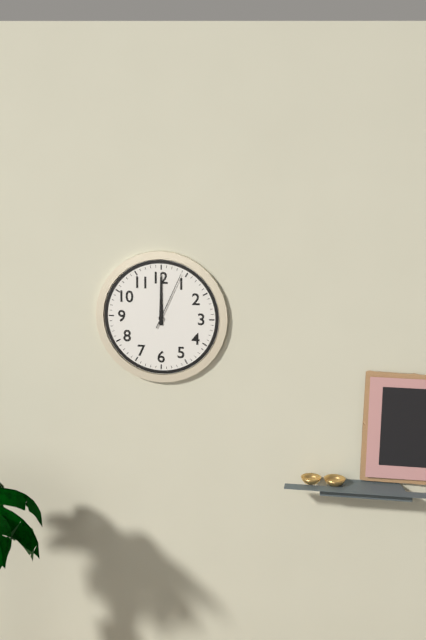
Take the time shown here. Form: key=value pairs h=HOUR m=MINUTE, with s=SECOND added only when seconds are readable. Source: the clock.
h=12 m=0 s=4
